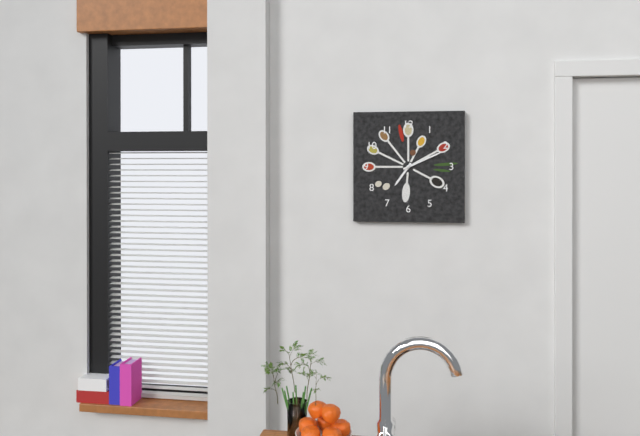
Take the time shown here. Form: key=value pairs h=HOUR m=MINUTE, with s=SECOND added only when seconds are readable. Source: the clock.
h=7 m=11
